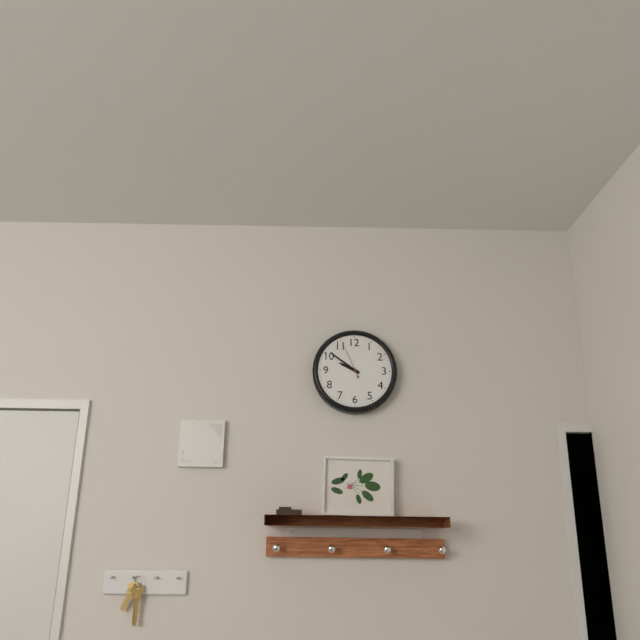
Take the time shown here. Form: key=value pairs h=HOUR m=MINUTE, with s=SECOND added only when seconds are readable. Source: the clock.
h=9 m=51
